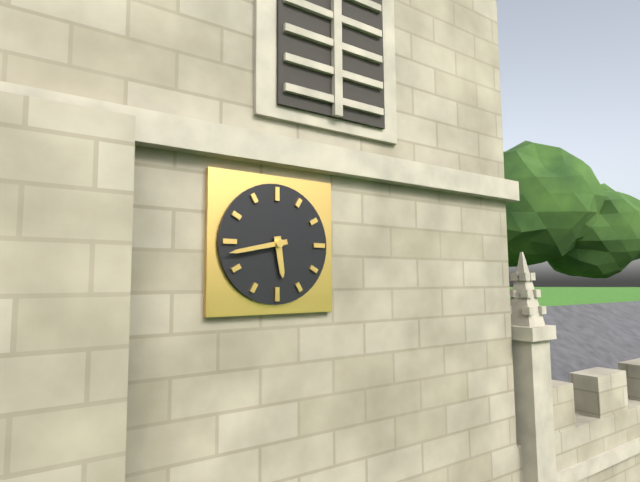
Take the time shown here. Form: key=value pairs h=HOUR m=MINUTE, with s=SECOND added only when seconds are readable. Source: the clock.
h=5 m=43
